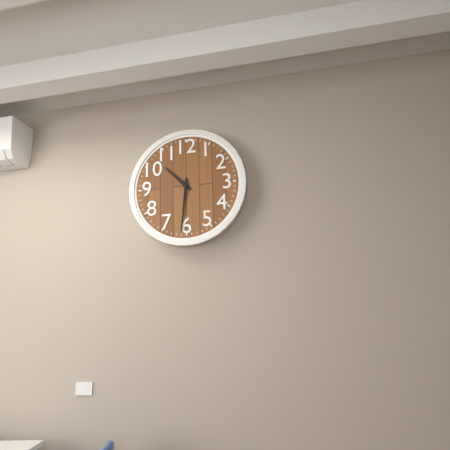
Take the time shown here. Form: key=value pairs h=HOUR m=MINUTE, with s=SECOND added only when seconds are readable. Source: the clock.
h=10 m=31
